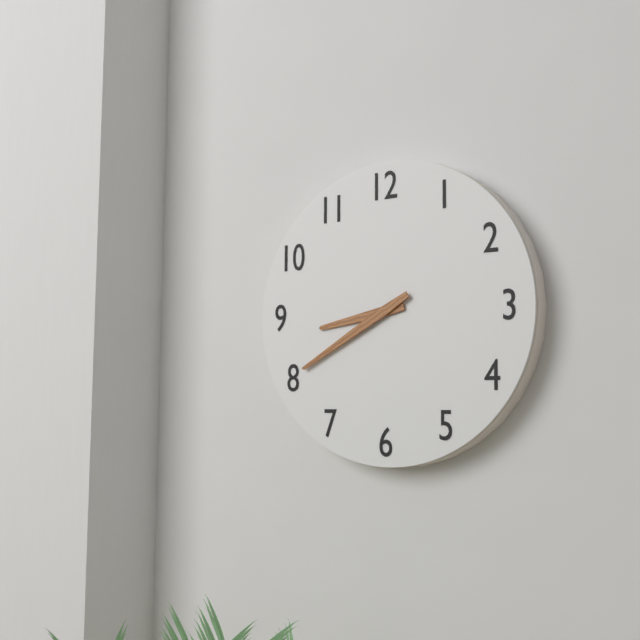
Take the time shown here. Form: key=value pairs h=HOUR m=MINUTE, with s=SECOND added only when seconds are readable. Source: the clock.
h=8 m=40
